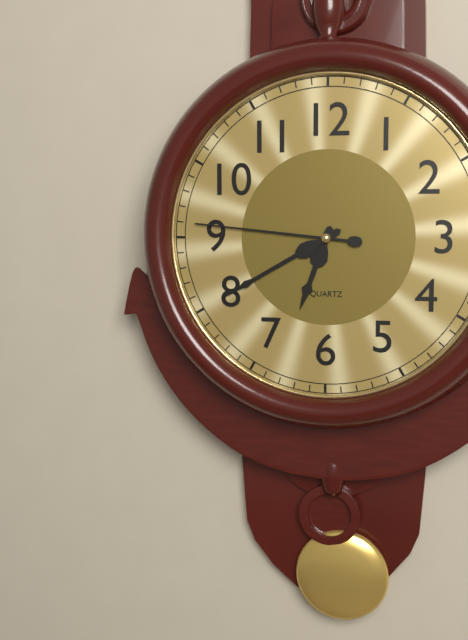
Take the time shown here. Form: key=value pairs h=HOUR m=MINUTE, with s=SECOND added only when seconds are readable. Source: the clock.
h=6 m=40 s=46
